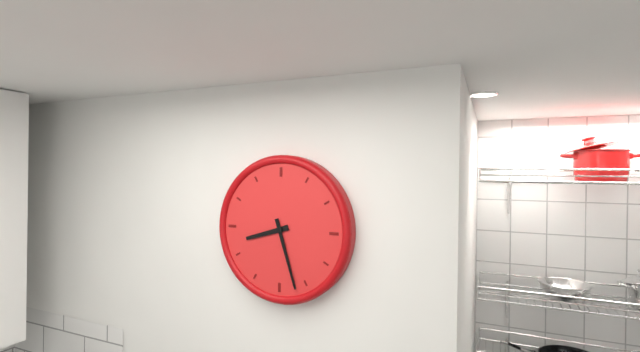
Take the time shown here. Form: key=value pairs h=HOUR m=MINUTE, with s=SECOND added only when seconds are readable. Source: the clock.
h=8 m=27
